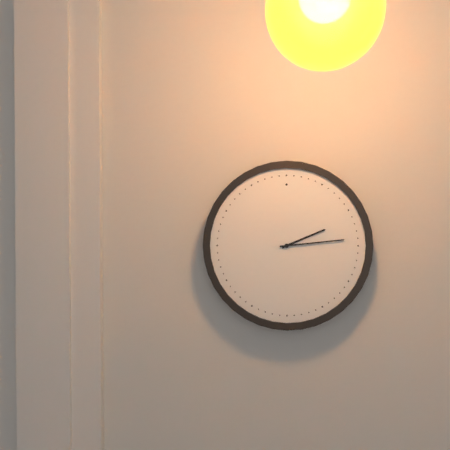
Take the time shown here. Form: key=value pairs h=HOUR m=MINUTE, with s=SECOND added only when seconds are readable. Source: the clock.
h=2 m=14
